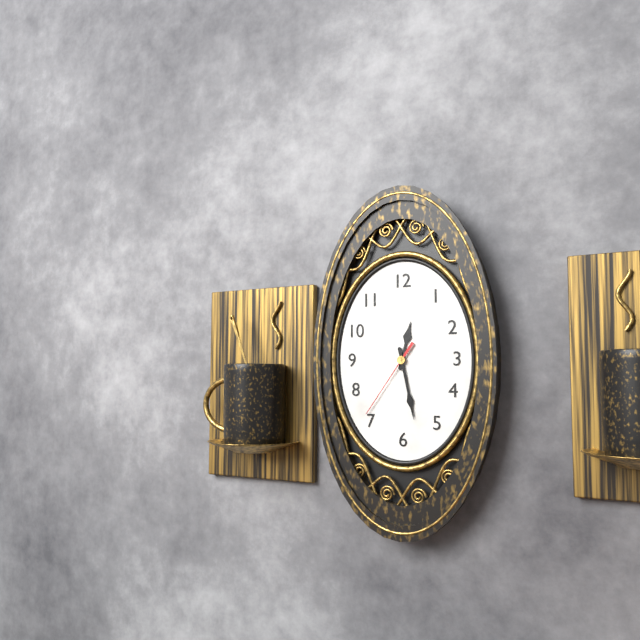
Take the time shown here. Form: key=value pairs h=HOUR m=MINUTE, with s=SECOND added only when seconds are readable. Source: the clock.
h=12 m=28 s=36
